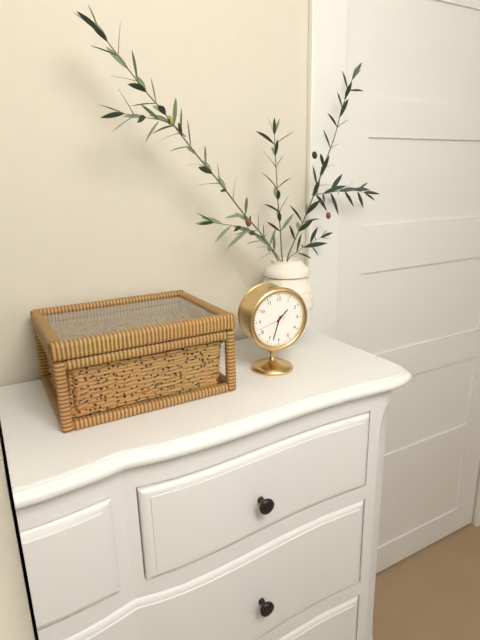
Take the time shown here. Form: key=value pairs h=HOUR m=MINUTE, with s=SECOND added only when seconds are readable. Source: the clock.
h=1 m=33
